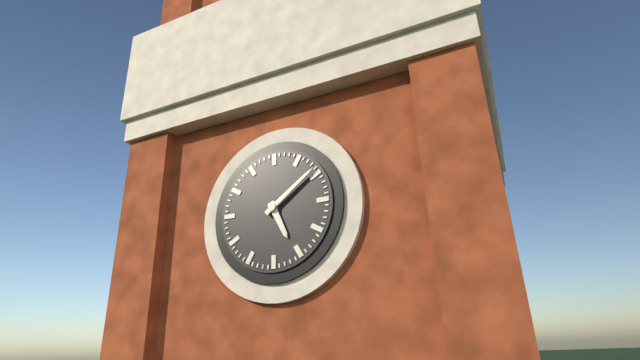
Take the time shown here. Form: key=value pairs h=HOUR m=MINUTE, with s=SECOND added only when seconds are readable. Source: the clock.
h=5 m=9
